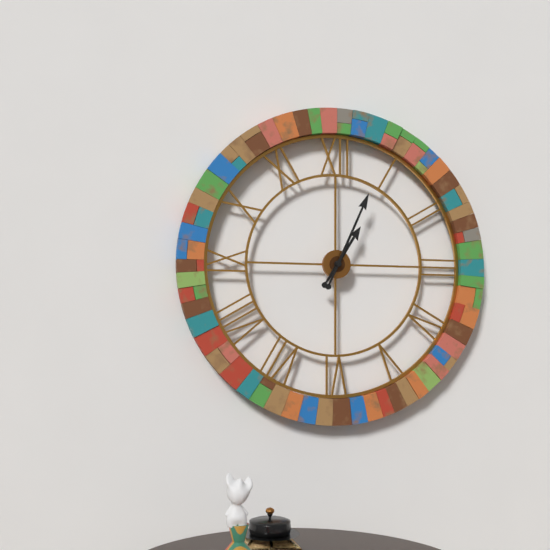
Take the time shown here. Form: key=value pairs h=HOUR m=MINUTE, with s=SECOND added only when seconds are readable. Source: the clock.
h=1 m=4
